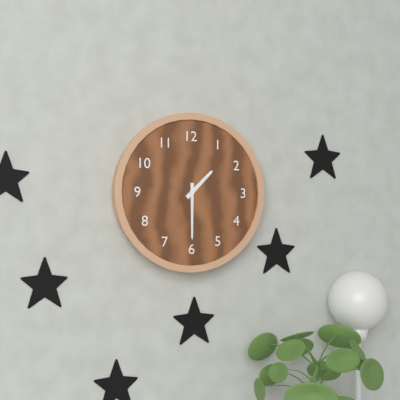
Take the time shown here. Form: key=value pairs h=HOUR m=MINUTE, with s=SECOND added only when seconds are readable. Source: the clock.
h=1 m=30
